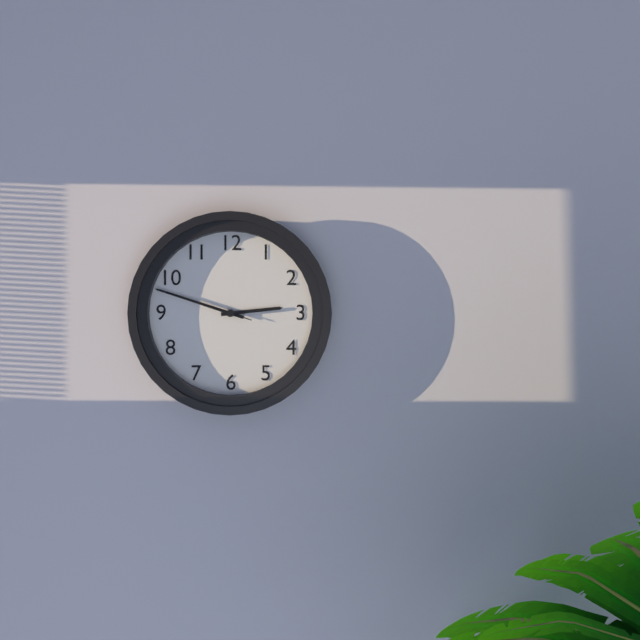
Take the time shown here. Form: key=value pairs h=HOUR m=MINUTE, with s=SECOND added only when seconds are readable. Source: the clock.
h=2 m=48 s=48
